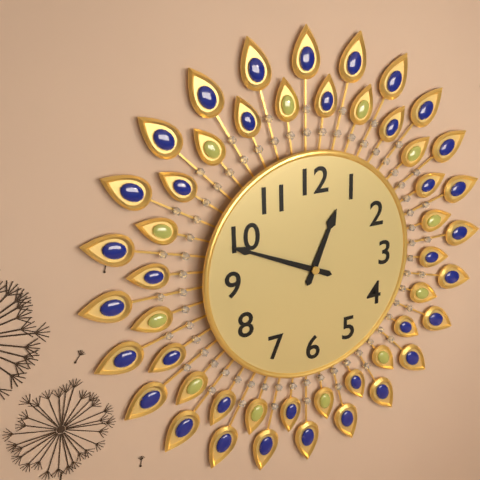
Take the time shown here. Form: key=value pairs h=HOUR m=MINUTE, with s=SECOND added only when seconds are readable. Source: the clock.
h=12 m=49
